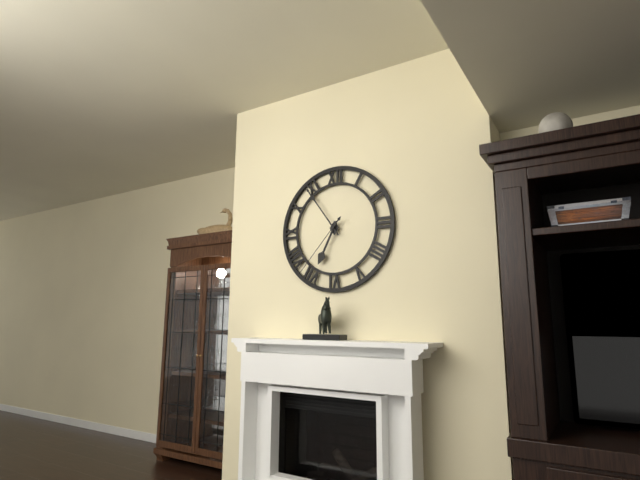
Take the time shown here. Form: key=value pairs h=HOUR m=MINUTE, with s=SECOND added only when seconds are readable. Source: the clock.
h=6 m=54 s=37
